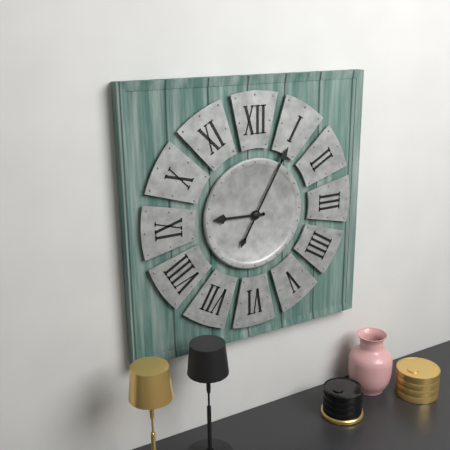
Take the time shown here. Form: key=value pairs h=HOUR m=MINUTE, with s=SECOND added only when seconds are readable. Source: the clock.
h=9 m=5
